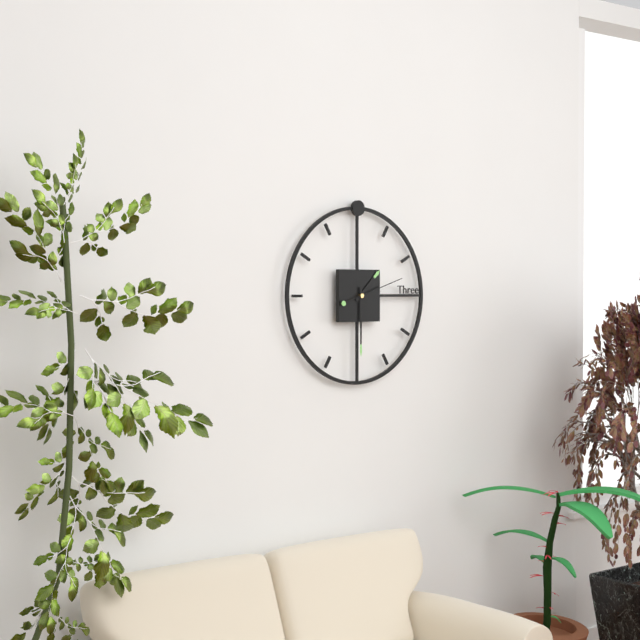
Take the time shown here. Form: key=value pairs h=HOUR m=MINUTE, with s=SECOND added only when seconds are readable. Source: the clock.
h=1 m=30 s=12
